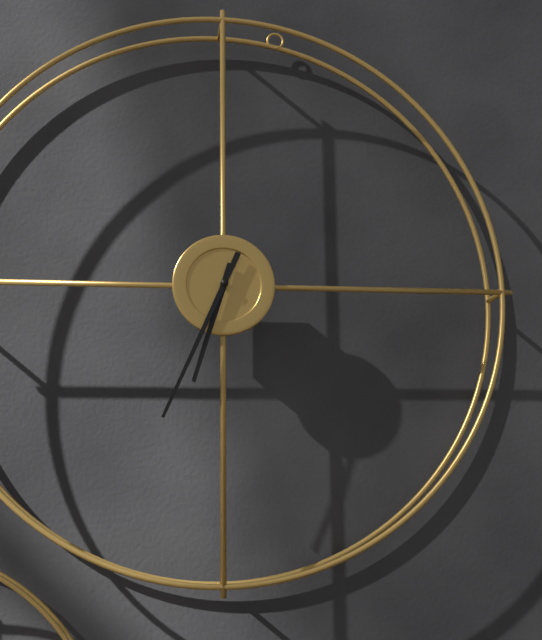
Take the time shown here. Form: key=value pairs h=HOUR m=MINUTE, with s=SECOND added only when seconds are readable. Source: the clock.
h=6 m=34
